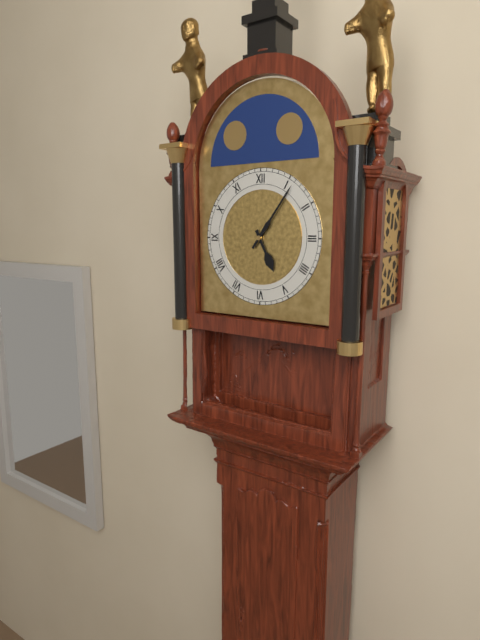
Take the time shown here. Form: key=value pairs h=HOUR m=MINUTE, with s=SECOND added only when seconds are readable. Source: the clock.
h=5 m=6
